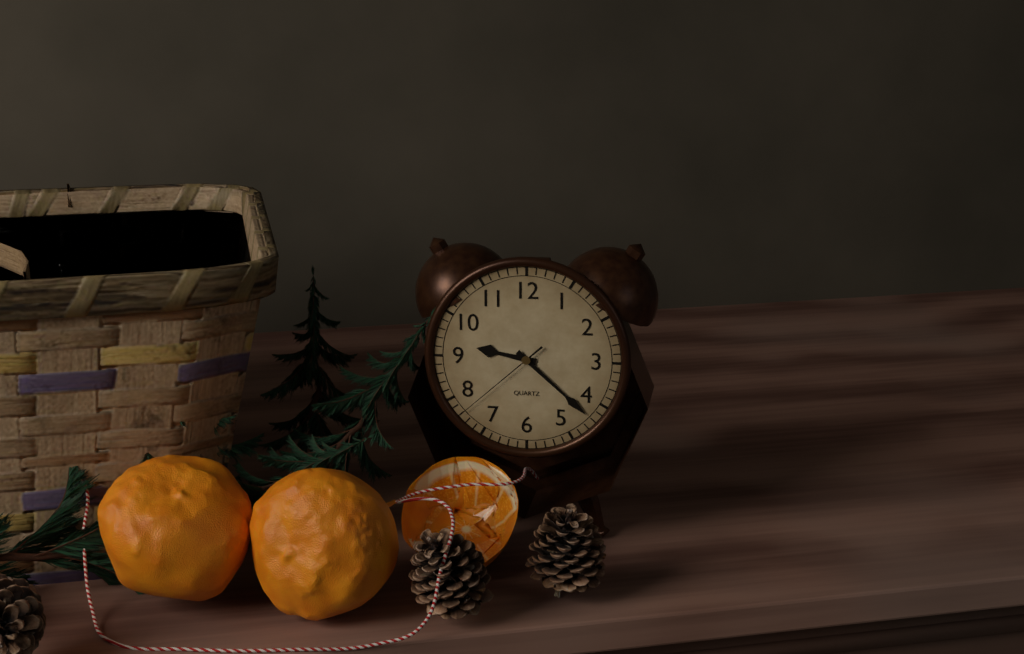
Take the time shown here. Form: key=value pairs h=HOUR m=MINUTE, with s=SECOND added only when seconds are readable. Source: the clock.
h=9 m=22 s=38
